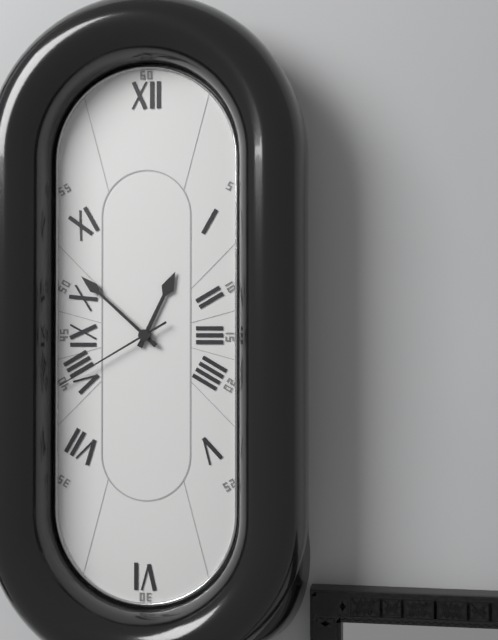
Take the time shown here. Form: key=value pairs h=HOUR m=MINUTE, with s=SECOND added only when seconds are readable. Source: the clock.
h=12 m=52 s=40
